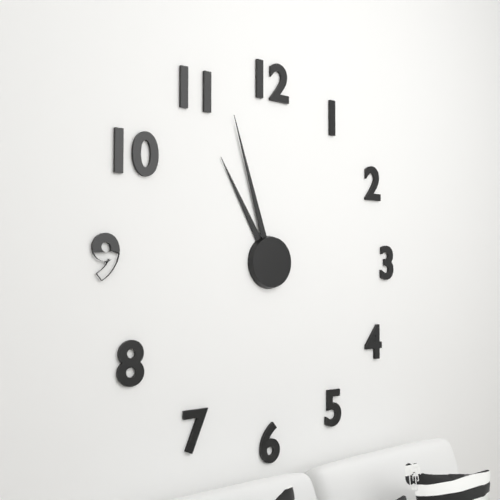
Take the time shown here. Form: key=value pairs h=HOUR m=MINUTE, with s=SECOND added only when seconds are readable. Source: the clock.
h=10 m=57
